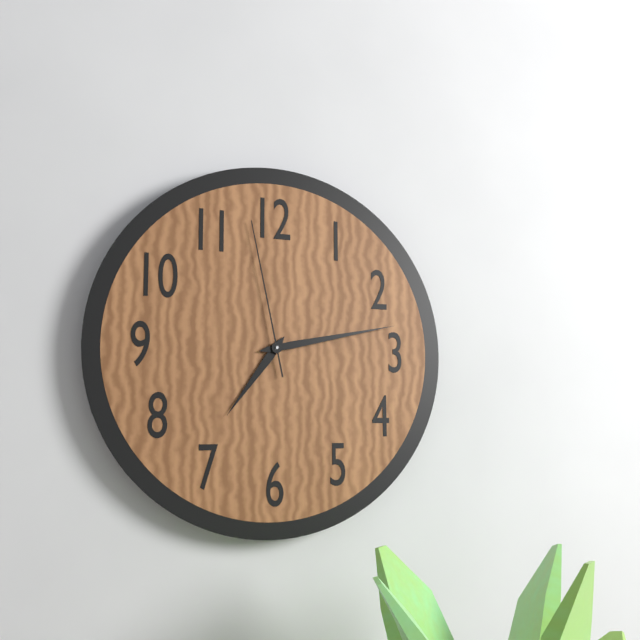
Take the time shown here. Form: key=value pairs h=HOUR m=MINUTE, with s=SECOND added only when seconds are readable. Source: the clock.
h=7 m=13 s=58
